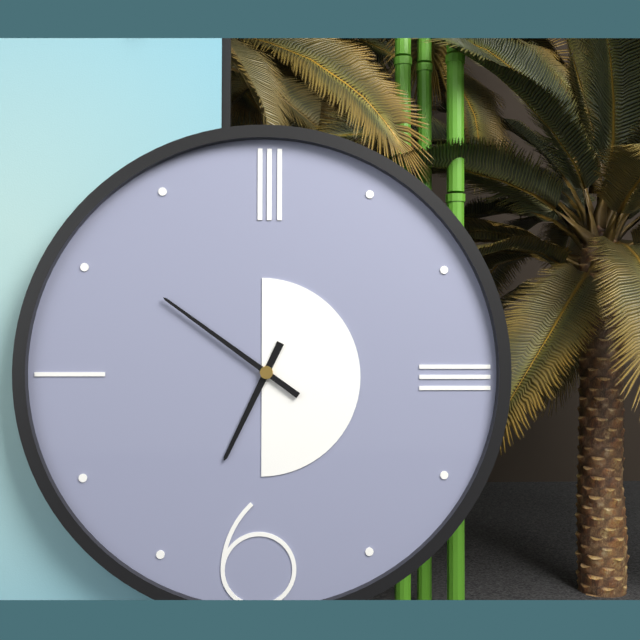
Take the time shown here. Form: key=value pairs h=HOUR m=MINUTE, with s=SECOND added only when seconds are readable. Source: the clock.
h=6 m=51
